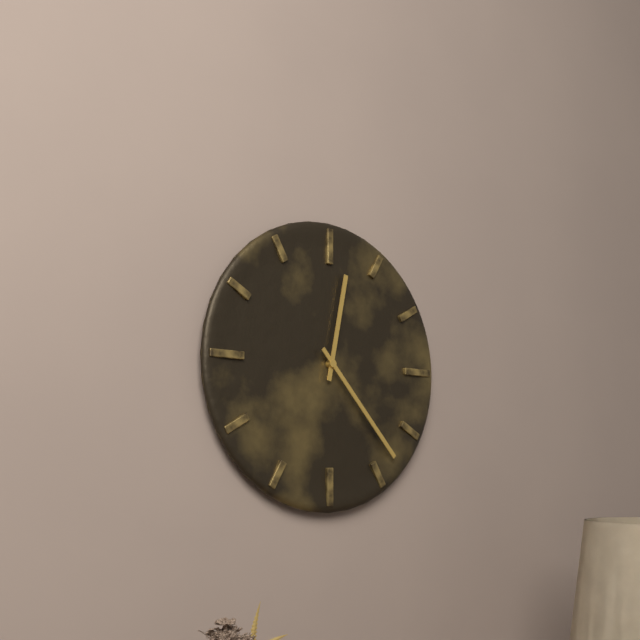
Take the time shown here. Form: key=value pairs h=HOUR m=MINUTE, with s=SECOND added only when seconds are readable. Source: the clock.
h=12 m=23
